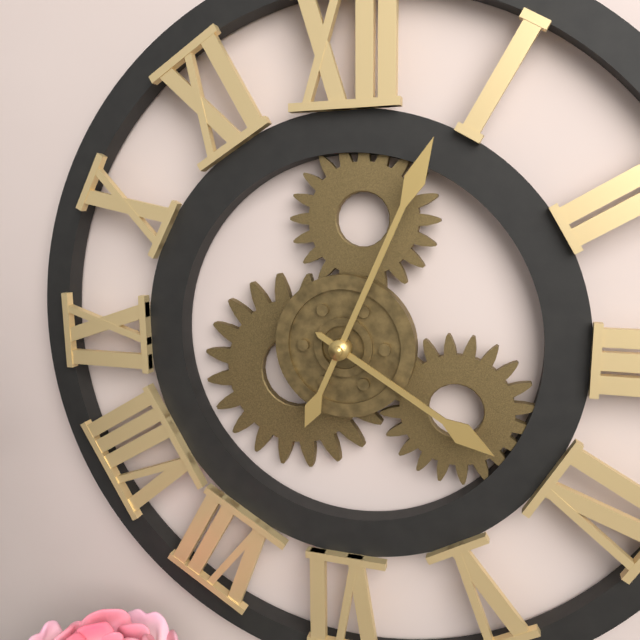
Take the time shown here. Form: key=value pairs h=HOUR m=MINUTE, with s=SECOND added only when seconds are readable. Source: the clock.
h=4 m=4
